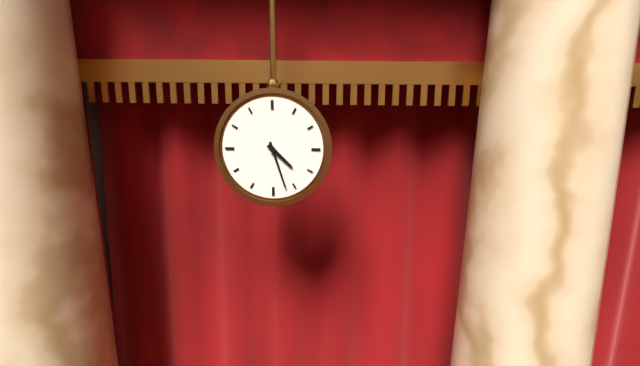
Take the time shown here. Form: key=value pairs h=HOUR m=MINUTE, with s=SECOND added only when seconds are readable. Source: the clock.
h=4 m=27
